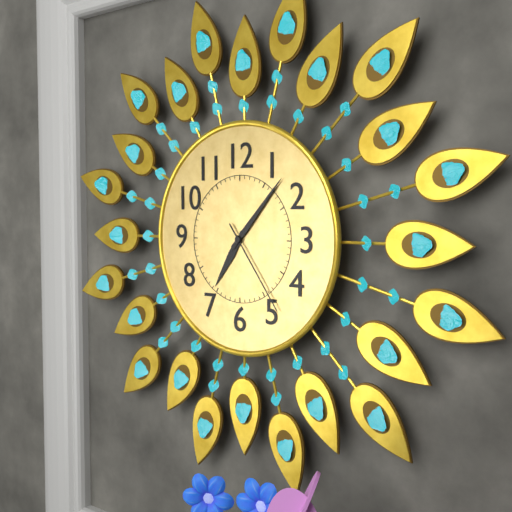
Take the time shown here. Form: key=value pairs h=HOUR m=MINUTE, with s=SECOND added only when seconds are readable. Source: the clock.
h=7 m=7 s=24
